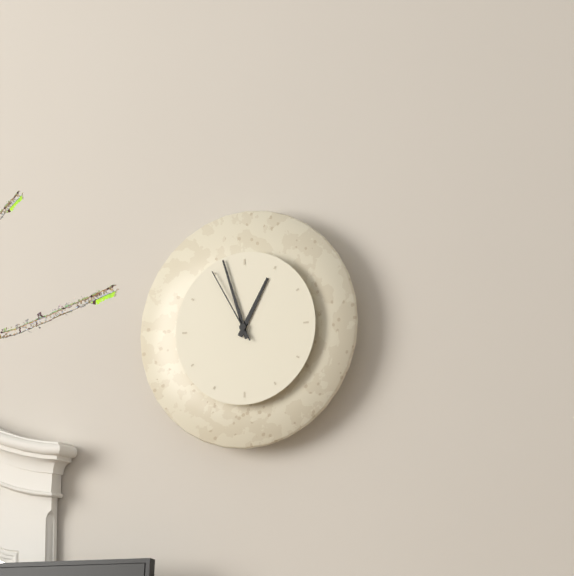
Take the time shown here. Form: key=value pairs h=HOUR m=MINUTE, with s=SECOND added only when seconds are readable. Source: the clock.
h=12 m=57 s=55
